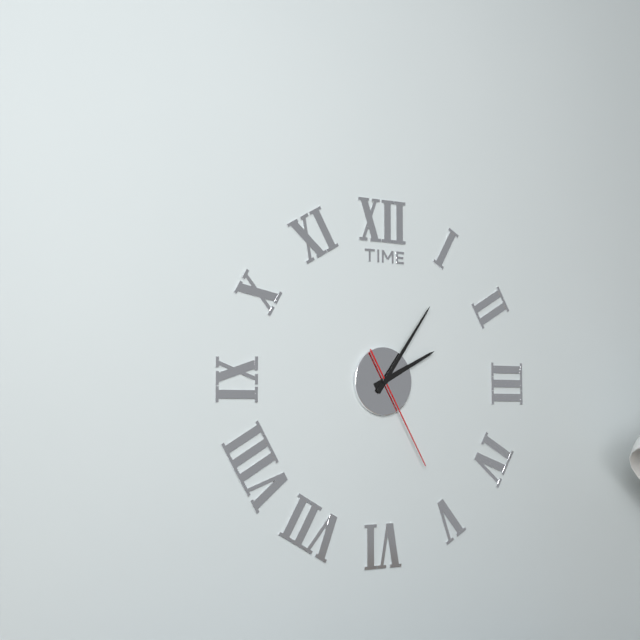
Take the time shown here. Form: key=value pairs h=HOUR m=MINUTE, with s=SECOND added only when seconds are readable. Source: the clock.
h=2 m=6 s=25
